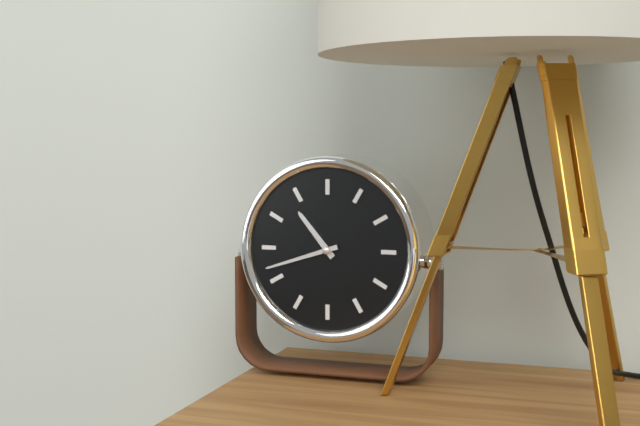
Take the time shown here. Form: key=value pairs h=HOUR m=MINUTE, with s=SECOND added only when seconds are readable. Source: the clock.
h=10 m=42
